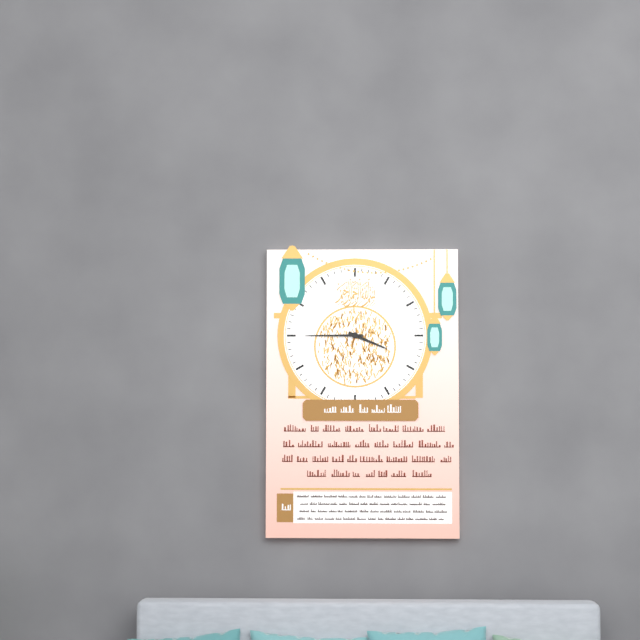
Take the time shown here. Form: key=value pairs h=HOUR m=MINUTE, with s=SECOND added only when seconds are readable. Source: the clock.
h=3 m=45
